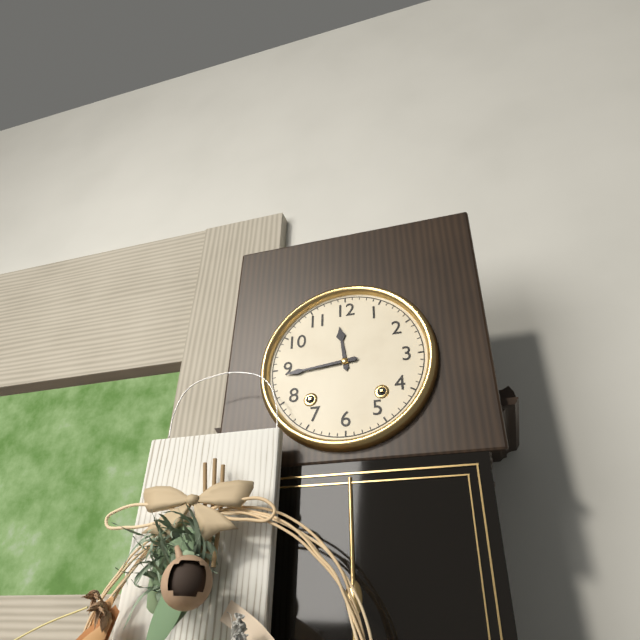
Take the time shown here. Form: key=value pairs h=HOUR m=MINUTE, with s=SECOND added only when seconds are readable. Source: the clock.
h=11 m=44
